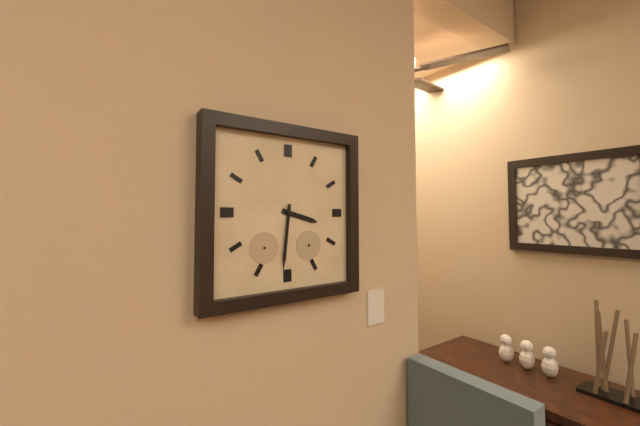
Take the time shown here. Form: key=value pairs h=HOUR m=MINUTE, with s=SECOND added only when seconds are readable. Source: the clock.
h=3 m=31
